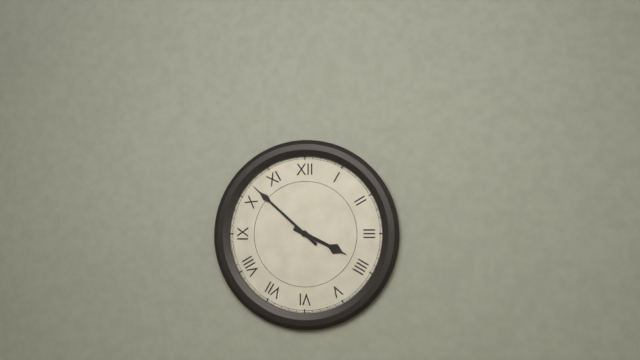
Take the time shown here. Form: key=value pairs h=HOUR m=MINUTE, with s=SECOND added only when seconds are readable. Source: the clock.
h=3 m=52
